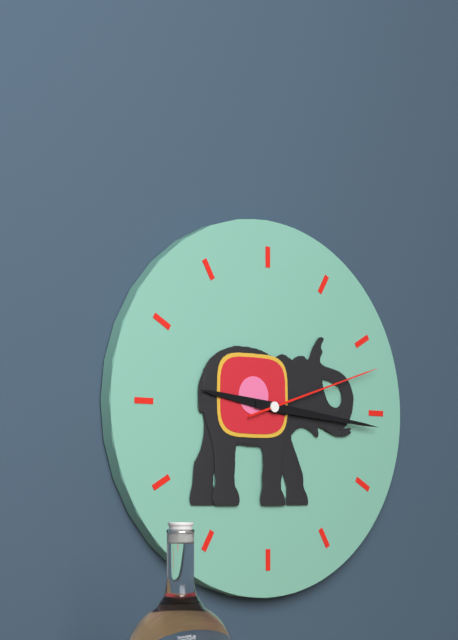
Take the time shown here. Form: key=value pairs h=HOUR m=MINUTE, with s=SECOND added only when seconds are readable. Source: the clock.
h=9 m=16 s=12
